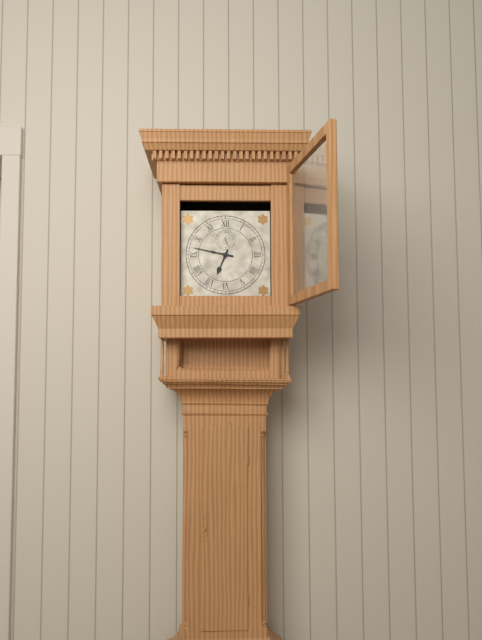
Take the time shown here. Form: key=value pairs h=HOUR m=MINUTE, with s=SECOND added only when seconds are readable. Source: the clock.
h=6 m=47
